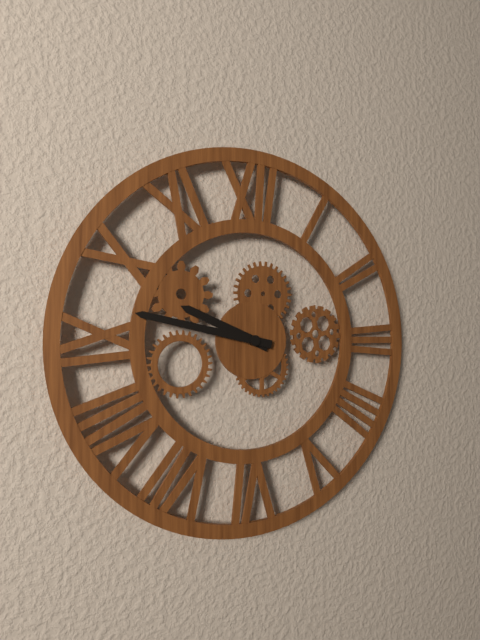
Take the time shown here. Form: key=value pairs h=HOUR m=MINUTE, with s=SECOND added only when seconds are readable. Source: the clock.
h=9 m=47
